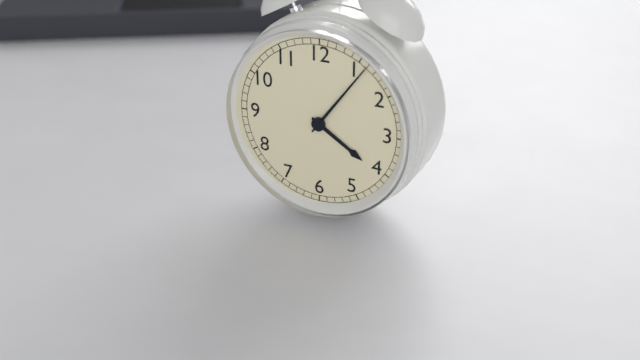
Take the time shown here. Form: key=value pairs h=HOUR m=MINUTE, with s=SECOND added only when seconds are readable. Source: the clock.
h=4 m=6
